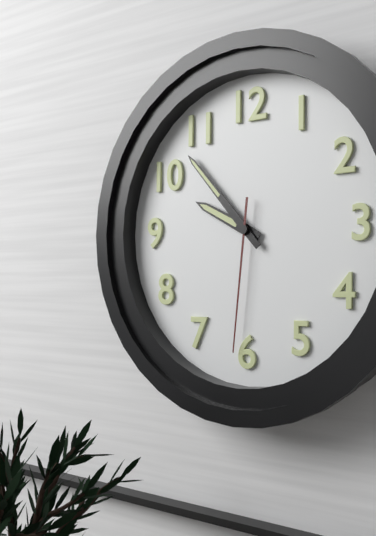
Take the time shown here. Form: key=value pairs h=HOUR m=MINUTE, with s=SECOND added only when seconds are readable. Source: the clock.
h=9 m=53 s=31
